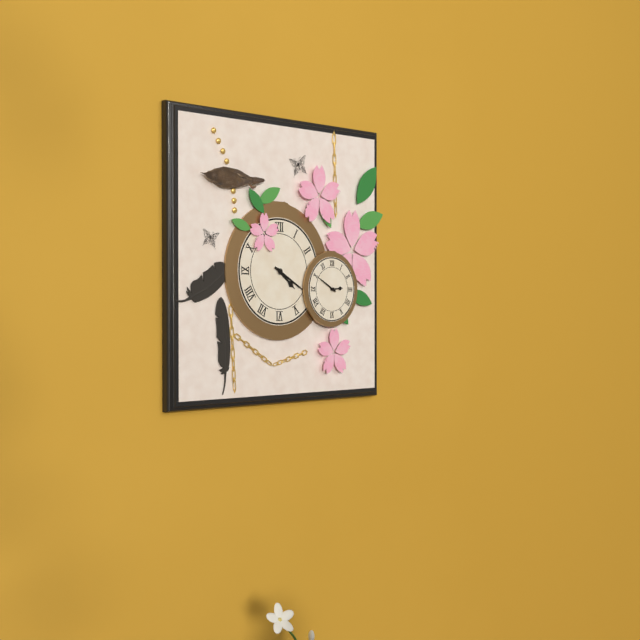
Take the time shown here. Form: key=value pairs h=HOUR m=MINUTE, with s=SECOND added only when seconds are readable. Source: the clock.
h=4 m=20
